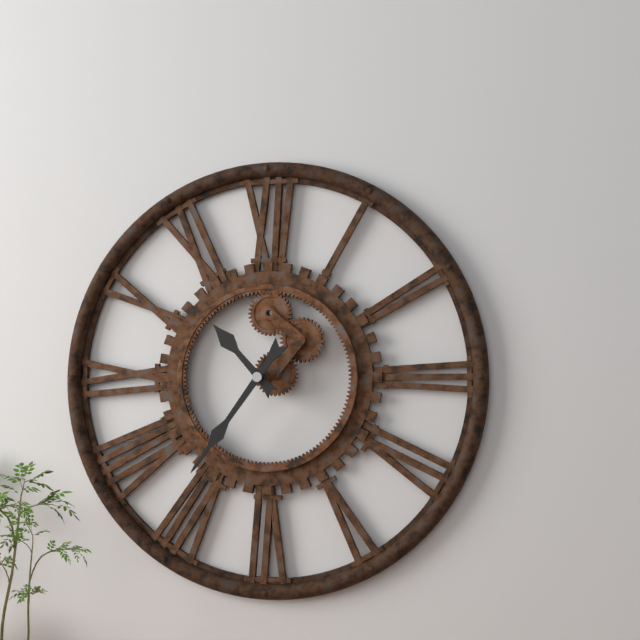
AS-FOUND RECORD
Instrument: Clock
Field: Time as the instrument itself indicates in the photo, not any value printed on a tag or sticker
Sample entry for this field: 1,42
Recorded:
10,36
